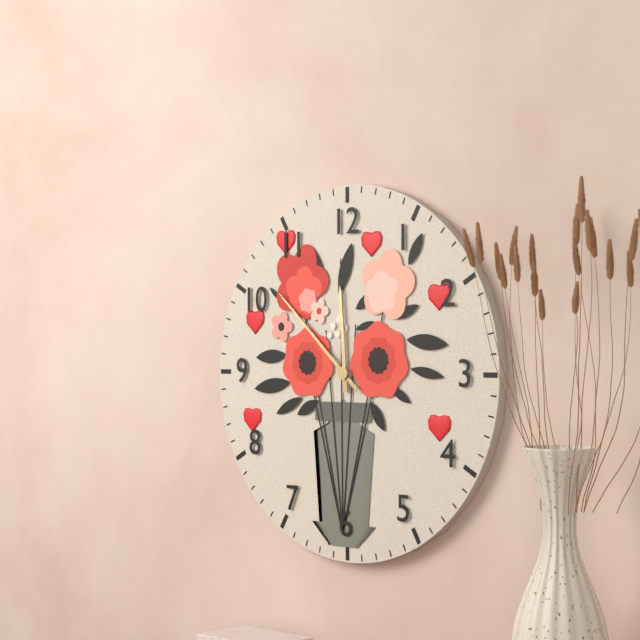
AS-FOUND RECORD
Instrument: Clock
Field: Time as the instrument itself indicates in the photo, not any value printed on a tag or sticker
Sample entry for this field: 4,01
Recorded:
11,52
